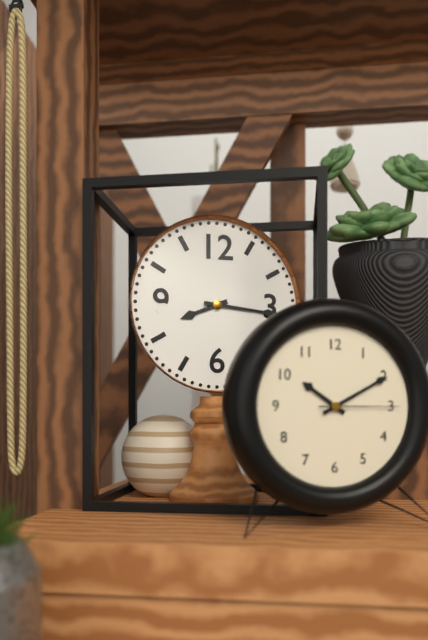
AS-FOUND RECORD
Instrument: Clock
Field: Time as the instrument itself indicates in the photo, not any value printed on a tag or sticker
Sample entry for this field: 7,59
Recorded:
8,16
